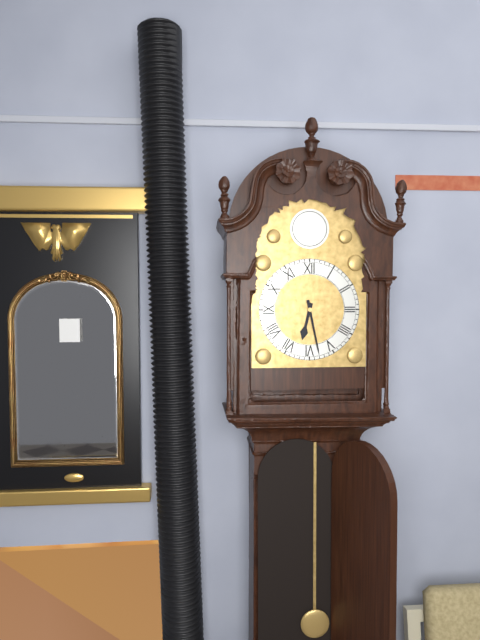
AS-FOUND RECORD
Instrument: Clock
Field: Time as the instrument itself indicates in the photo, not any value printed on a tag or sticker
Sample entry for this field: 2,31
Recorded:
6,28
